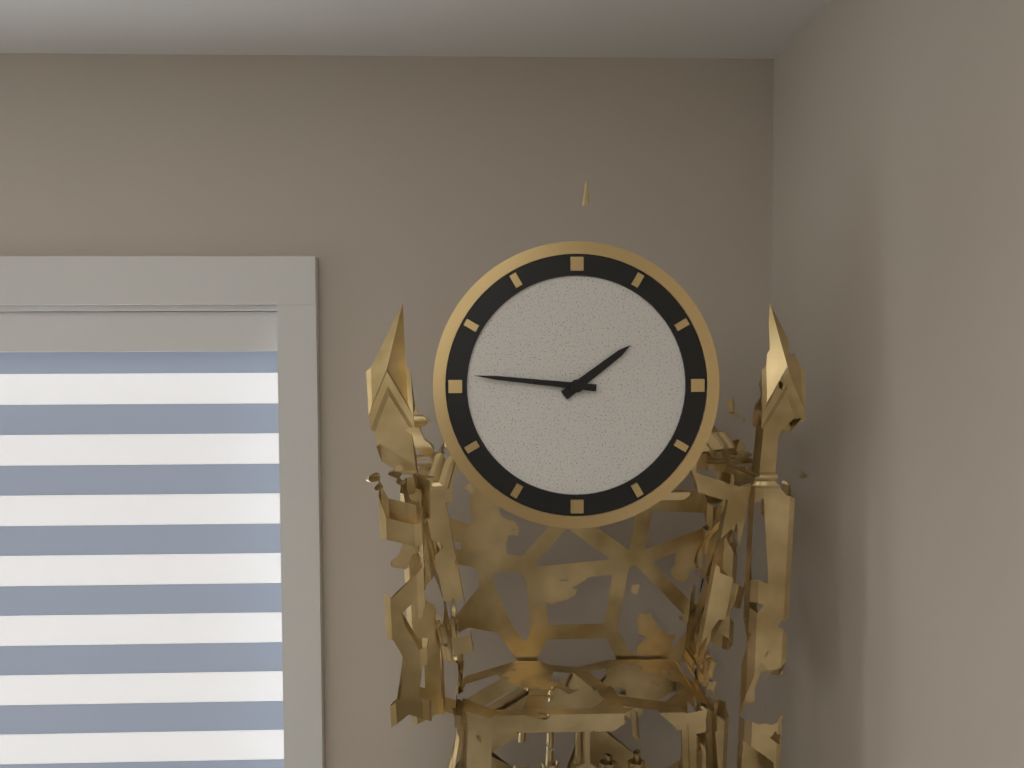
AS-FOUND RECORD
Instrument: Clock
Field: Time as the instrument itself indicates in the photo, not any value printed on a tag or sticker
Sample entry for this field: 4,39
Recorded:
1,46
